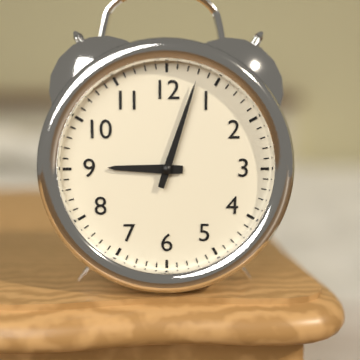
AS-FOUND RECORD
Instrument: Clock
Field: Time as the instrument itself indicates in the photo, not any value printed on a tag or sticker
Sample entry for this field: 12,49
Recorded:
9,03
